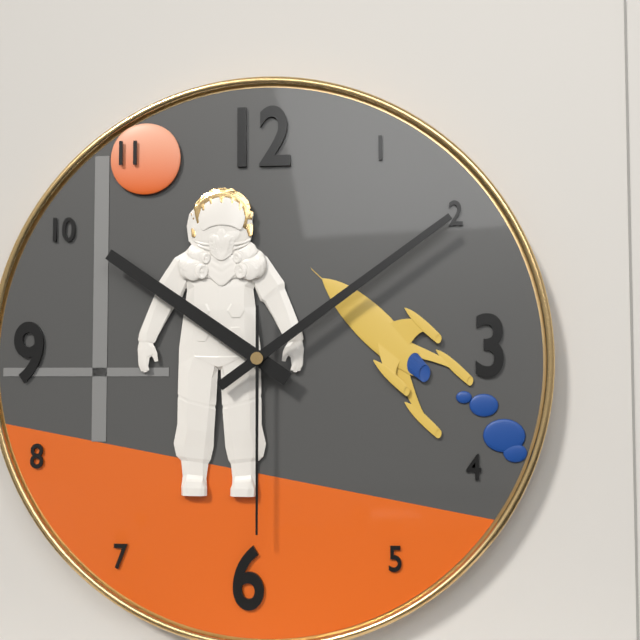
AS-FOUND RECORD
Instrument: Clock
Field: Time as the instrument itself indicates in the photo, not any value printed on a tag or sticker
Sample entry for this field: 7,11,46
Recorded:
10,09,30
